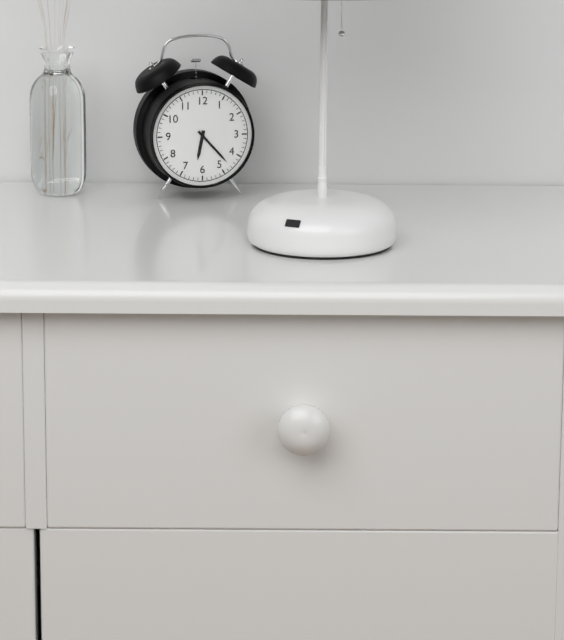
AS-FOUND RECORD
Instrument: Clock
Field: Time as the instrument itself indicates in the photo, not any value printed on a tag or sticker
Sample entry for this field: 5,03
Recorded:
6,23
